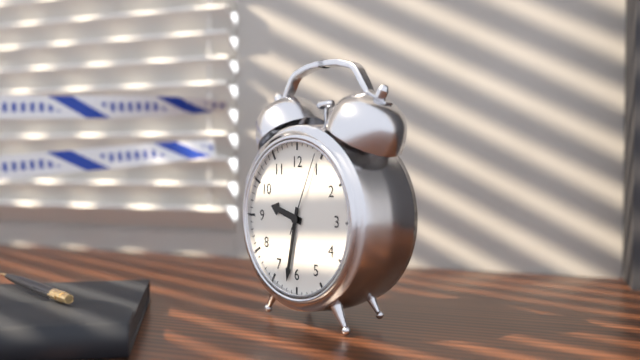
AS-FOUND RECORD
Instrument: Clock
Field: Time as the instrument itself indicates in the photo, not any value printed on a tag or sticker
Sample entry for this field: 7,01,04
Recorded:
9,32,04
